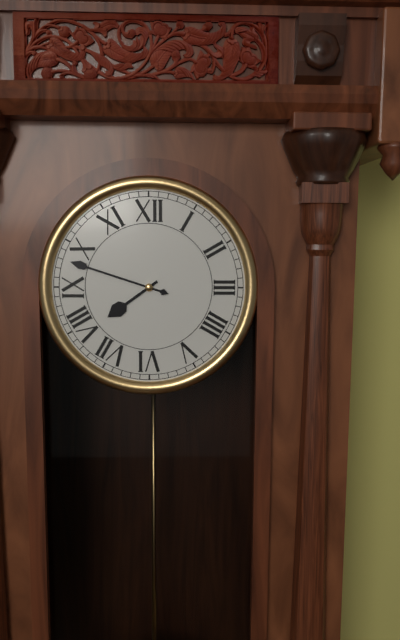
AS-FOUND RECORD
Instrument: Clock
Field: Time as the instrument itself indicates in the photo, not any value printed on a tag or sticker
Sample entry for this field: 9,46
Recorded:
7,48
